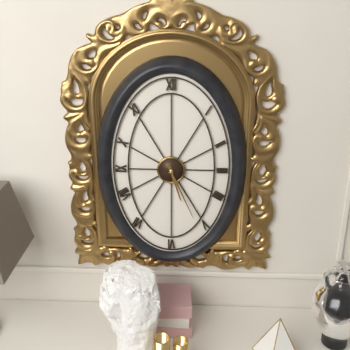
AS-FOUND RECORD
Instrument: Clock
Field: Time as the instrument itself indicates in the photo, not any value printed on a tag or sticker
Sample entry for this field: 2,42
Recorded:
5,26
